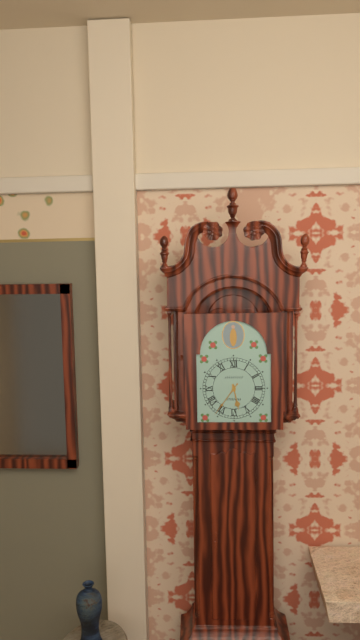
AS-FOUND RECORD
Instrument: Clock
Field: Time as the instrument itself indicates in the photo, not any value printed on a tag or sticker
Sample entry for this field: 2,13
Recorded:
5,36
